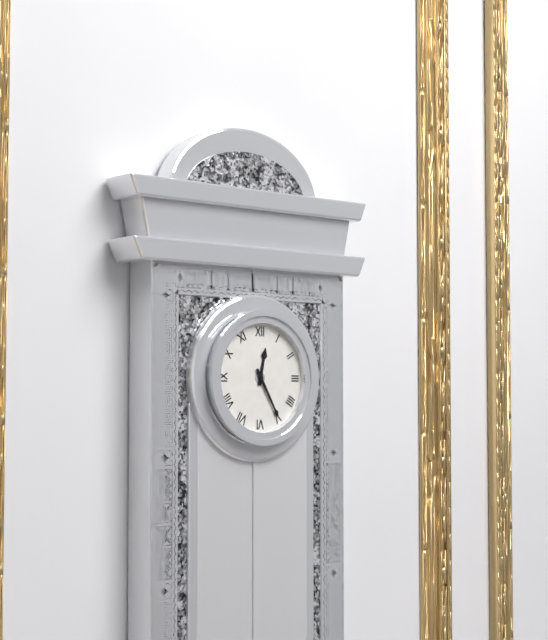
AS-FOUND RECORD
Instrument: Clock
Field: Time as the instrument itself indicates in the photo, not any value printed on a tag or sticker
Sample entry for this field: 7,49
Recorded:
12,25
